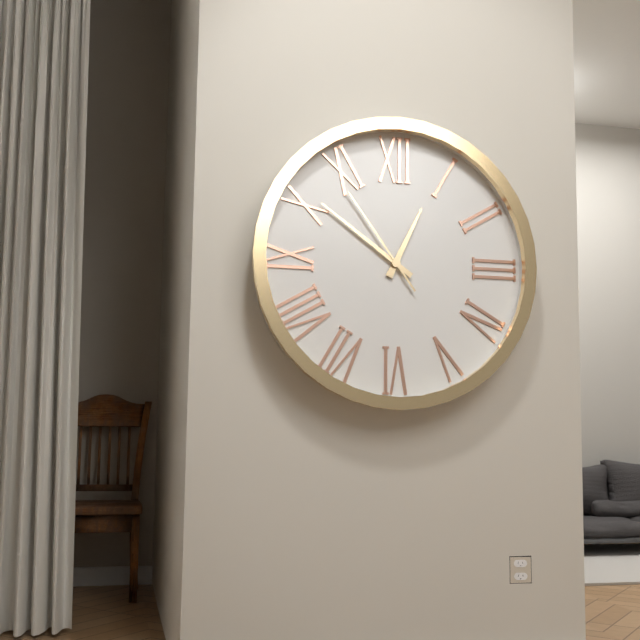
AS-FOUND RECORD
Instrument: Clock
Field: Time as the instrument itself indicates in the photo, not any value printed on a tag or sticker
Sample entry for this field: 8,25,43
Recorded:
12,51,54
